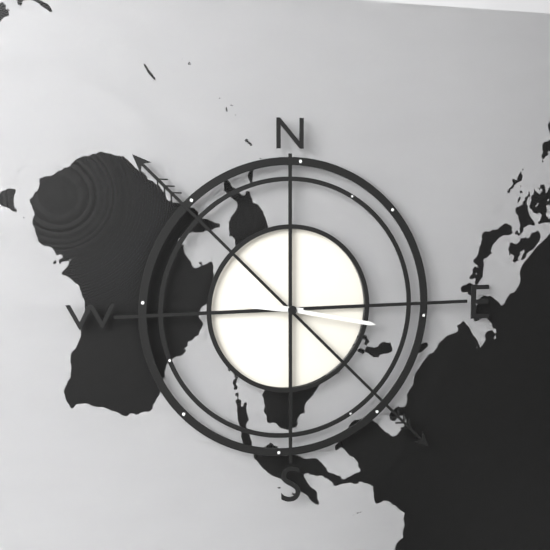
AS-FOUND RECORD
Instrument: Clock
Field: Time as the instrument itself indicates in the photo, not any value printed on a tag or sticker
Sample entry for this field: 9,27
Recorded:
9,17
